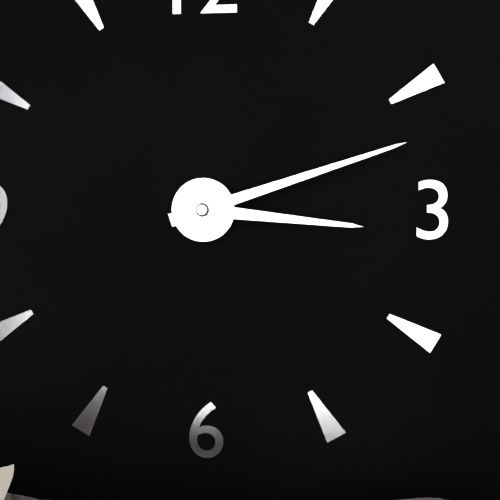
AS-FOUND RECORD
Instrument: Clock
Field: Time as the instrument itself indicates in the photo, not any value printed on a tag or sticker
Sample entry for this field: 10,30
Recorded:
3,12
